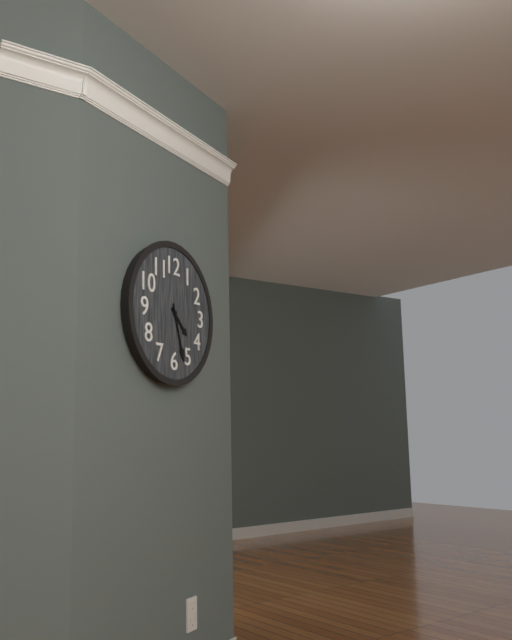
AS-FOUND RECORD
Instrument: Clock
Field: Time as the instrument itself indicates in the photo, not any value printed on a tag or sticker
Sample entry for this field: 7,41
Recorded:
4,27
